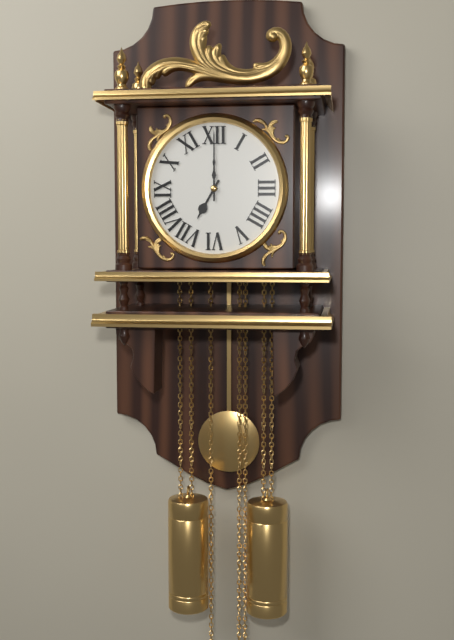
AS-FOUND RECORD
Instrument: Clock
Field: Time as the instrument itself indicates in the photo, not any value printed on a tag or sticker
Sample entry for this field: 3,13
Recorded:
7,00
